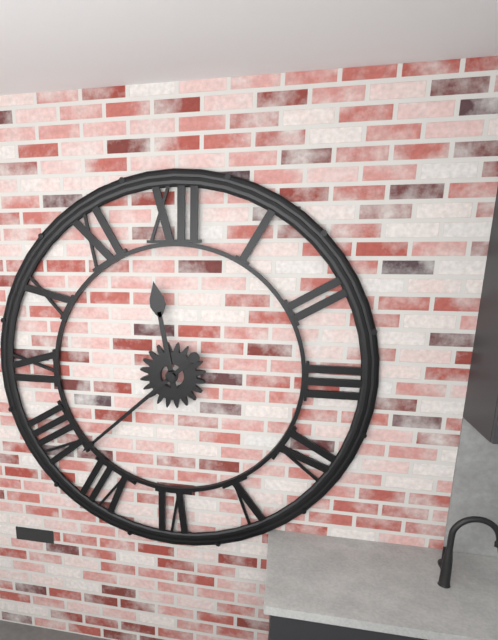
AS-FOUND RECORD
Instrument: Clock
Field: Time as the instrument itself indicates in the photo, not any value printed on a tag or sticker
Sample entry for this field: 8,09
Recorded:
11,38
